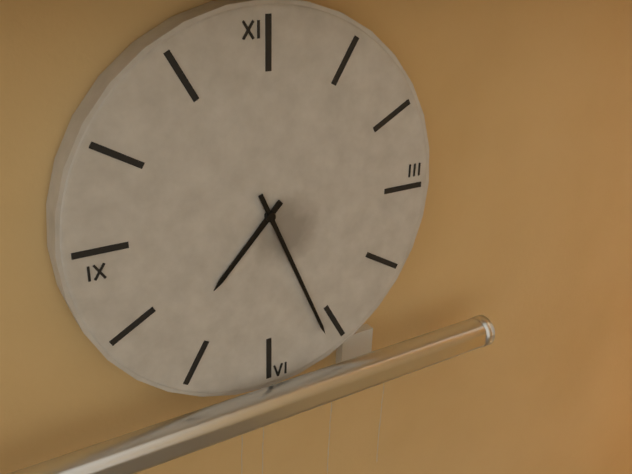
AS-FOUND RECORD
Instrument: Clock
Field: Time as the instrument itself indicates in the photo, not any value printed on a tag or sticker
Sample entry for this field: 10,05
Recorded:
7,26
